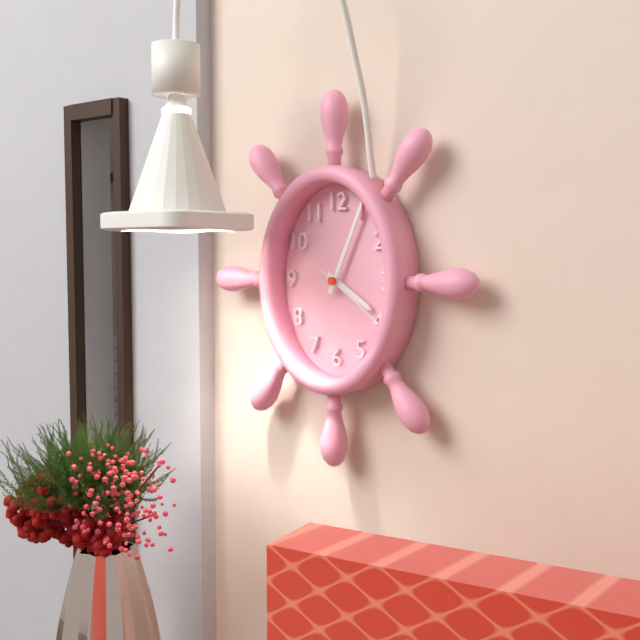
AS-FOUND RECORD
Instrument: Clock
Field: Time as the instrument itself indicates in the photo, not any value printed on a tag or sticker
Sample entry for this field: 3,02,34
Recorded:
4,04,21
